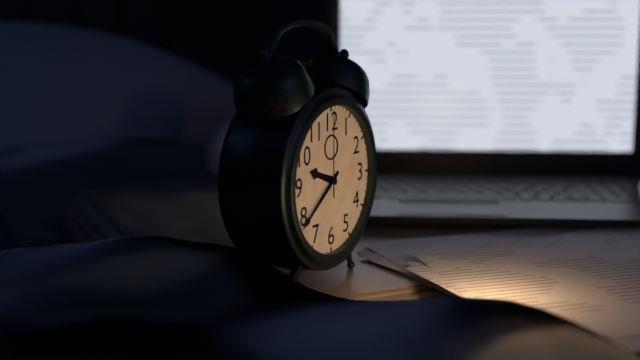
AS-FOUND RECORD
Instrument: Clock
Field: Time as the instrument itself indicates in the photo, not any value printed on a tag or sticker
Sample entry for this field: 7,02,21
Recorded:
9,39,00
